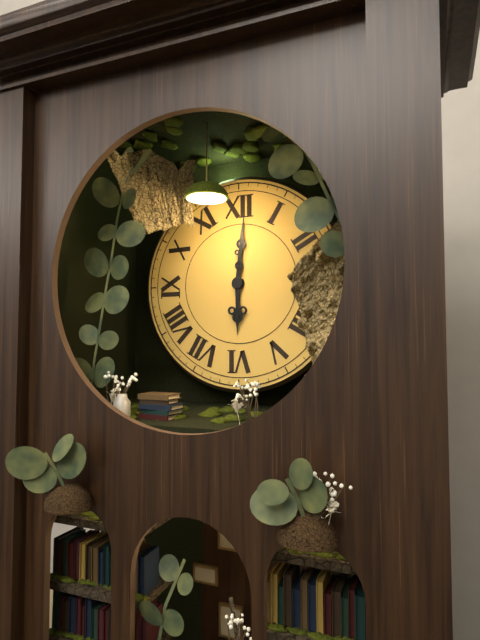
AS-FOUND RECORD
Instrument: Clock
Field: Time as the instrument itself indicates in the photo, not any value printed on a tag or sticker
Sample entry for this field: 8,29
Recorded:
6,01
